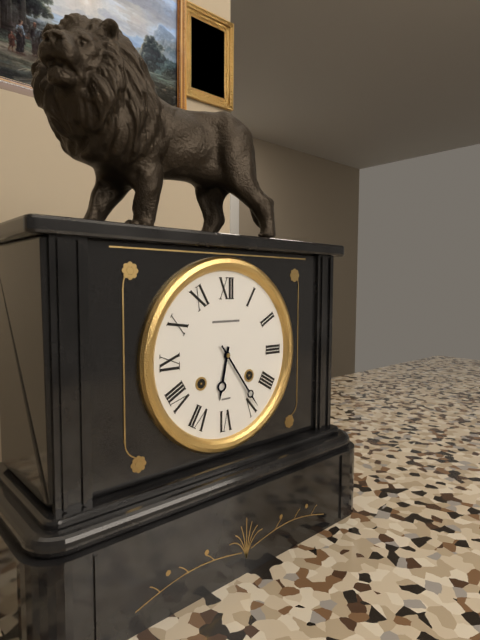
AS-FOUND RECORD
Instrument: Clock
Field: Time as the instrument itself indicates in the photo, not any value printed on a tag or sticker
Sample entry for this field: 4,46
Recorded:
6,24
